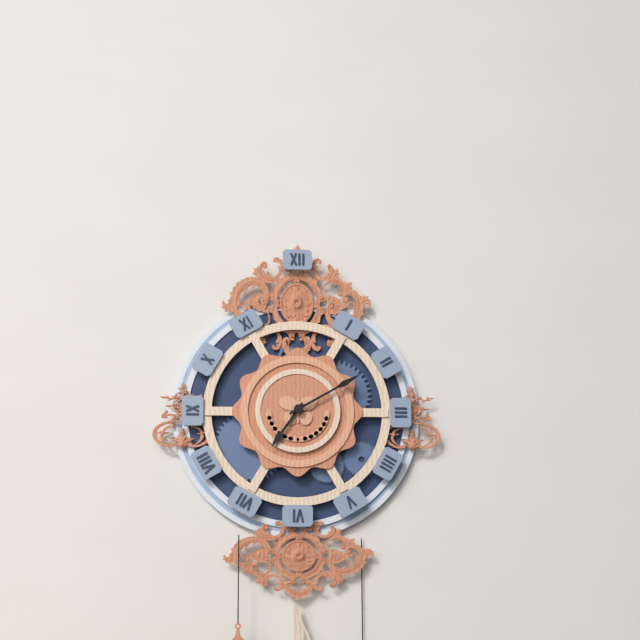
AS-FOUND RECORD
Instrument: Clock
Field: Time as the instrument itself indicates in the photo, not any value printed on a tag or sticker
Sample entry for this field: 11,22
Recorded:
7,10
